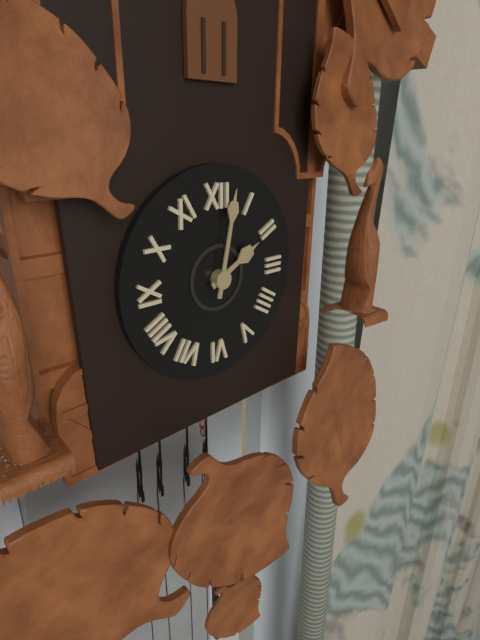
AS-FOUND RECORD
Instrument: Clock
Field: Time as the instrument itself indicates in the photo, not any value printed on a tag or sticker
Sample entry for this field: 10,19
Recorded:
2,02
